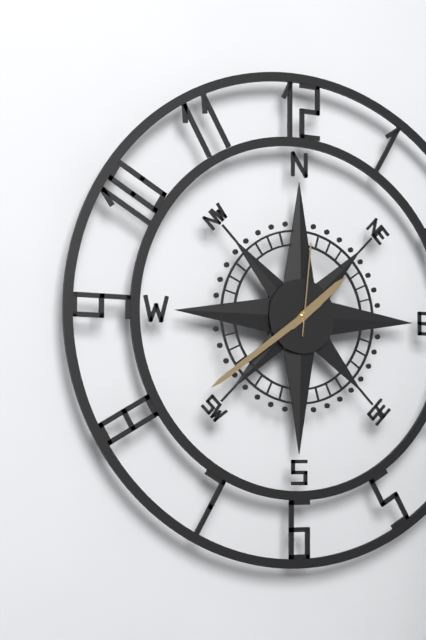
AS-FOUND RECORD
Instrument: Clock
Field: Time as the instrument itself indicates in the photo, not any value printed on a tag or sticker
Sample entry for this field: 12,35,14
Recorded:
1,39,01
